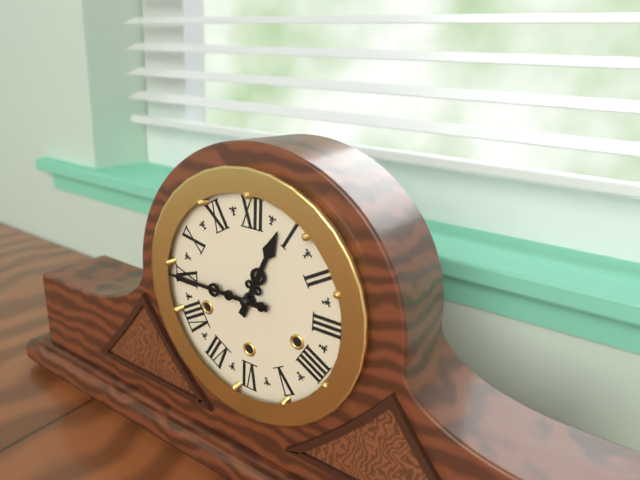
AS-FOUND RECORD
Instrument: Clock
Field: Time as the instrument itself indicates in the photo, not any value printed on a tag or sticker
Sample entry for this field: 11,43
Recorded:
12,45
